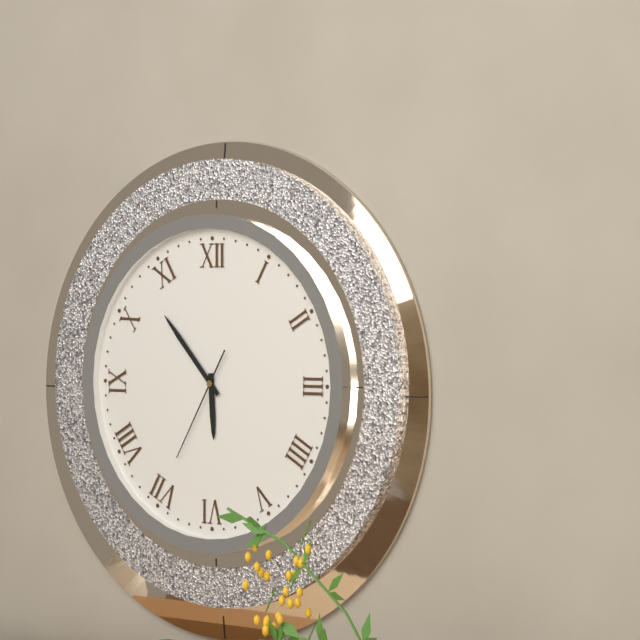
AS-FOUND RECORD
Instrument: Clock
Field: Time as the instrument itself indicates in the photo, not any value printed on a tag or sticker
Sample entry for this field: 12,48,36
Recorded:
5,53,35
